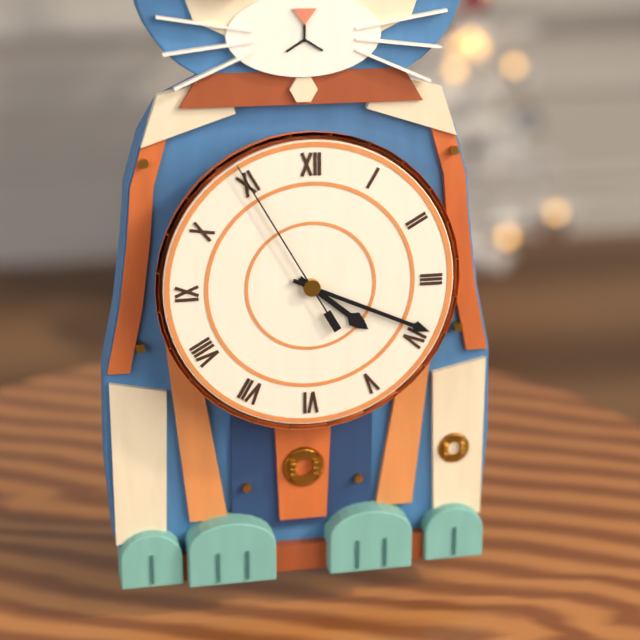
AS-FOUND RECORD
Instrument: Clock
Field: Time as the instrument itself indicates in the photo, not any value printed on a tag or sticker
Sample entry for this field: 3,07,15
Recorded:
4,19,55
